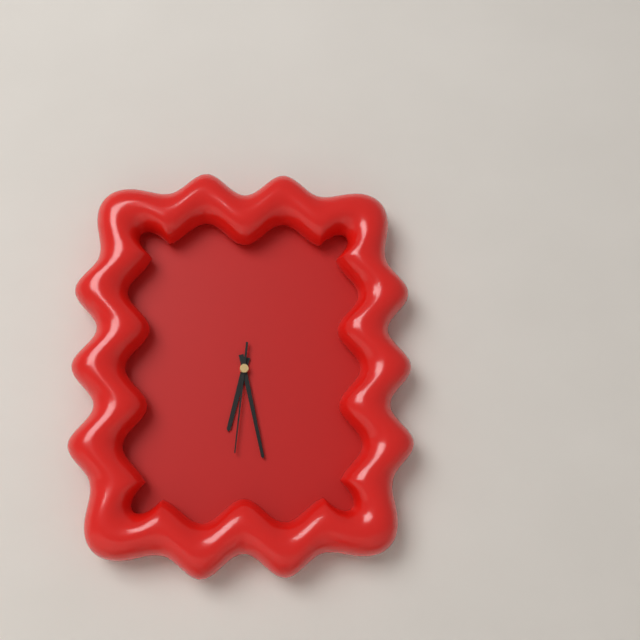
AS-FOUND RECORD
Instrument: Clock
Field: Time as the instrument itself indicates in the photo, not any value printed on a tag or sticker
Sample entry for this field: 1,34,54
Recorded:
6,28,31
